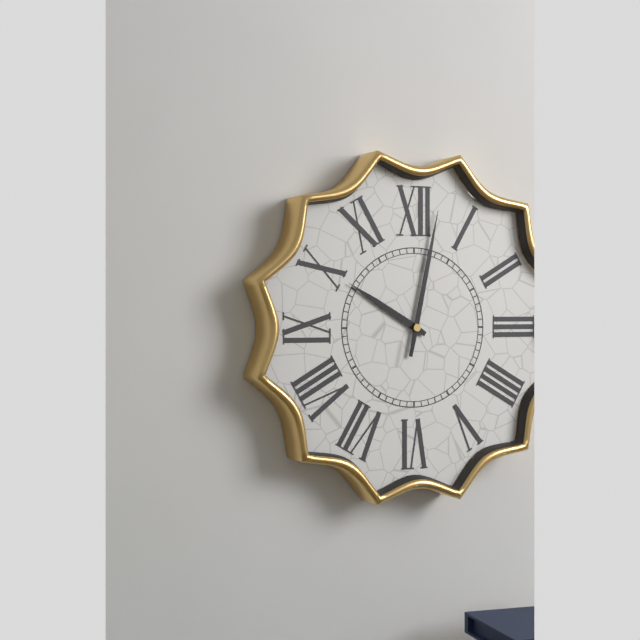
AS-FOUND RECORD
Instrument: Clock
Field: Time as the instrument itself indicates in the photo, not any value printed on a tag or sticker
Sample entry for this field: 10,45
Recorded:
10,02
